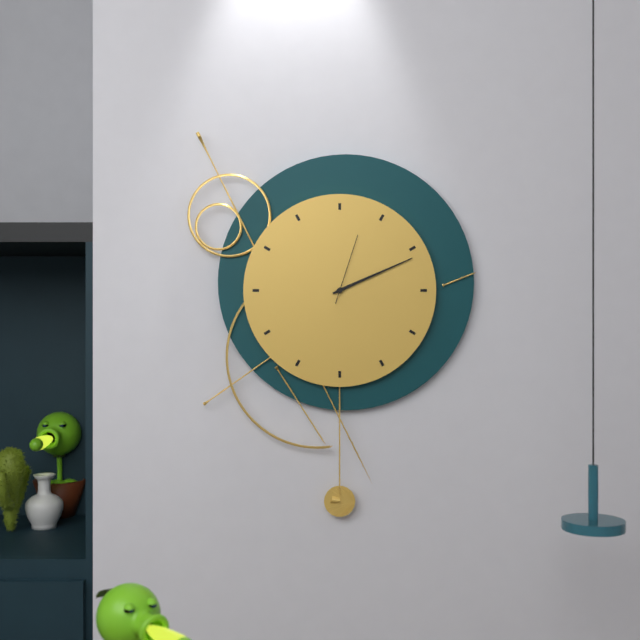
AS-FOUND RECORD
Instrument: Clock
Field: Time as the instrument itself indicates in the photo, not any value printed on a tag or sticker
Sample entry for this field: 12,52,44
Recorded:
2,11,03
